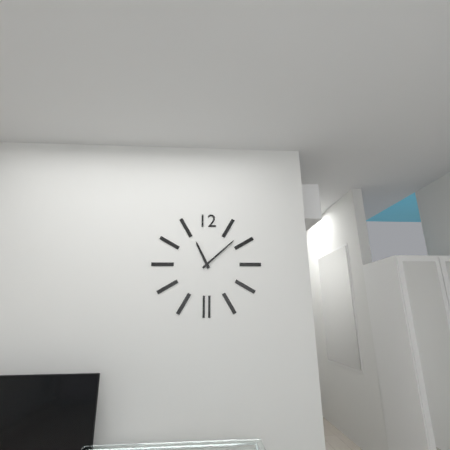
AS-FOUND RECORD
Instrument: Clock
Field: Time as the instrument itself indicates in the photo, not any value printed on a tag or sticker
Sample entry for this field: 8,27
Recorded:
11,08
